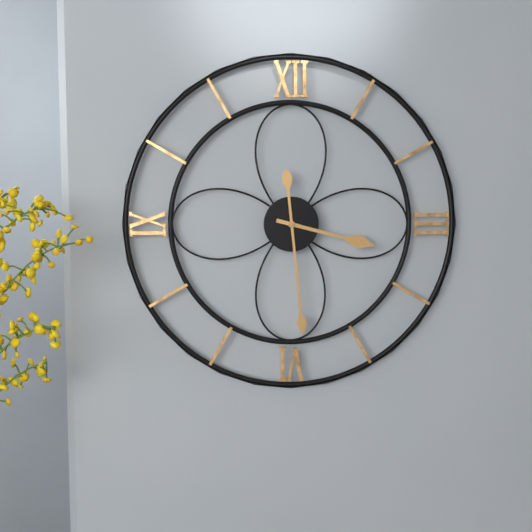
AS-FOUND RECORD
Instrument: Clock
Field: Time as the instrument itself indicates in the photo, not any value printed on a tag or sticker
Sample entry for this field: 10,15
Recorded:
3,29
